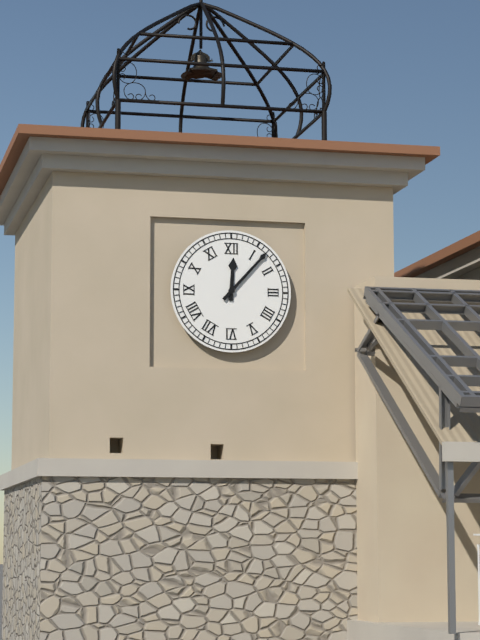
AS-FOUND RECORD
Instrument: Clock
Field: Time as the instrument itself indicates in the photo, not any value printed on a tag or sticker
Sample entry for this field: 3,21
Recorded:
12,07
